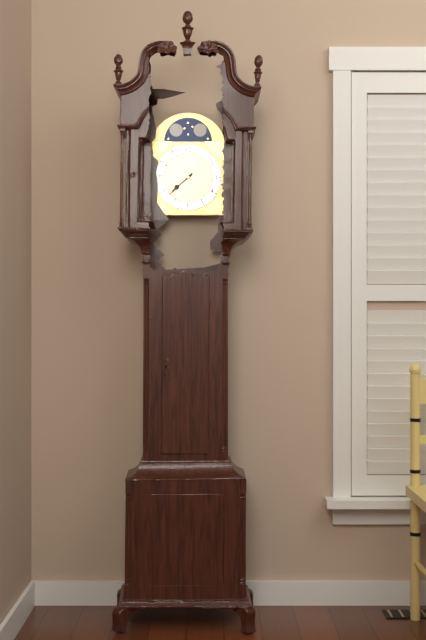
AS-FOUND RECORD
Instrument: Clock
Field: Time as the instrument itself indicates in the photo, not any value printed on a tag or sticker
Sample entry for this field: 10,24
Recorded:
7,38
